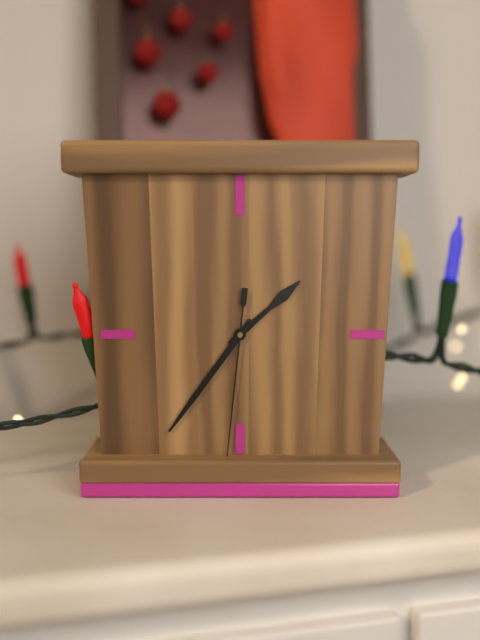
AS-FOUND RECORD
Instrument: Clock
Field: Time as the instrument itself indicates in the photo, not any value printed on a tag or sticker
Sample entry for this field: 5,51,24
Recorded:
1,36,31
